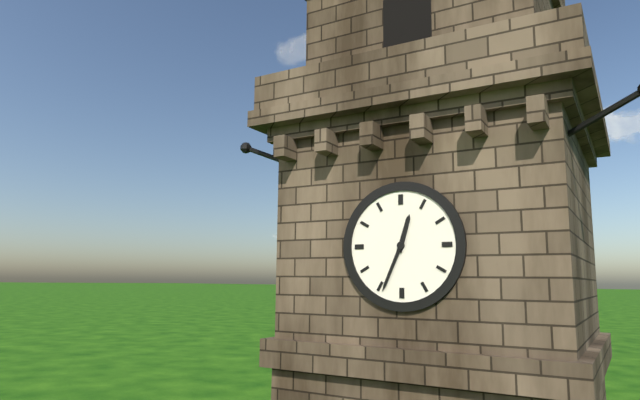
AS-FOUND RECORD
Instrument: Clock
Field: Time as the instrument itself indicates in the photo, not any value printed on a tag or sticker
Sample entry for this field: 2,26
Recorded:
12,34
